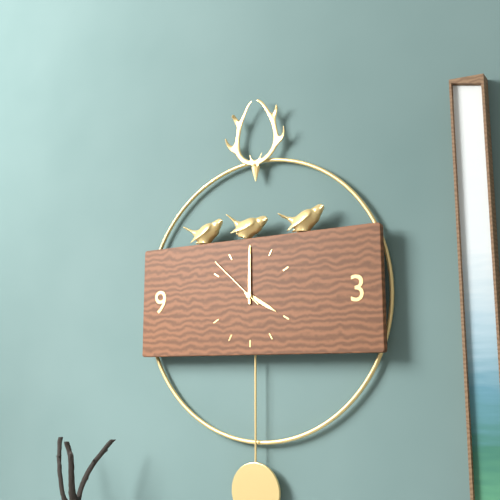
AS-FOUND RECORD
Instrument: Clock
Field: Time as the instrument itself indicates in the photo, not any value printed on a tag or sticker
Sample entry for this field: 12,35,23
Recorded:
4,00,52
